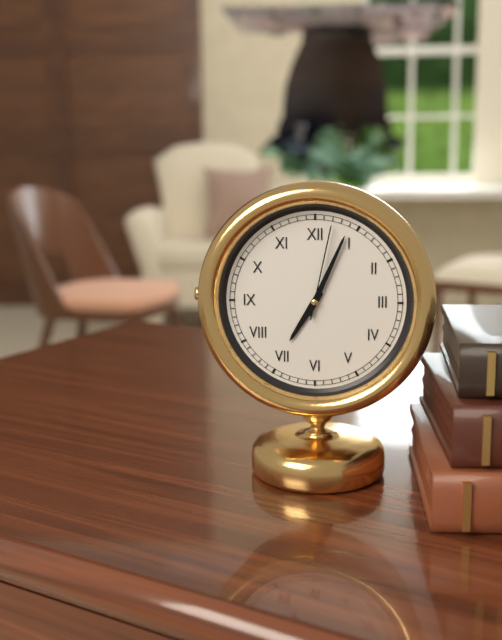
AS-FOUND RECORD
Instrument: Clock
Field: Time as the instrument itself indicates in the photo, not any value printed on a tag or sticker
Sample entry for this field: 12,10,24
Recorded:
7,04,02
